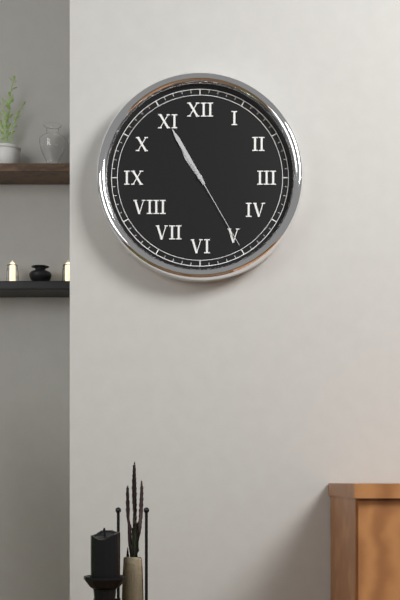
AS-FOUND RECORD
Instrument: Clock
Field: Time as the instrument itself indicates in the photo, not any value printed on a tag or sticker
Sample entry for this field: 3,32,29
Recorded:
10,55,25
